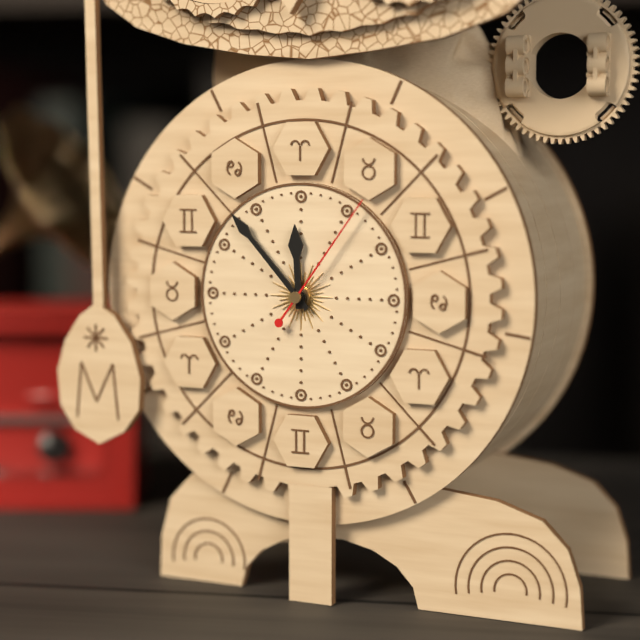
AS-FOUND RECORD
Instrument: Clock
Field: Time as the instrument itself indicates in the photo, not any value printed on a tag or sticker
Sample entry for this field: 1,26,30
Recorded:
11,53,06
